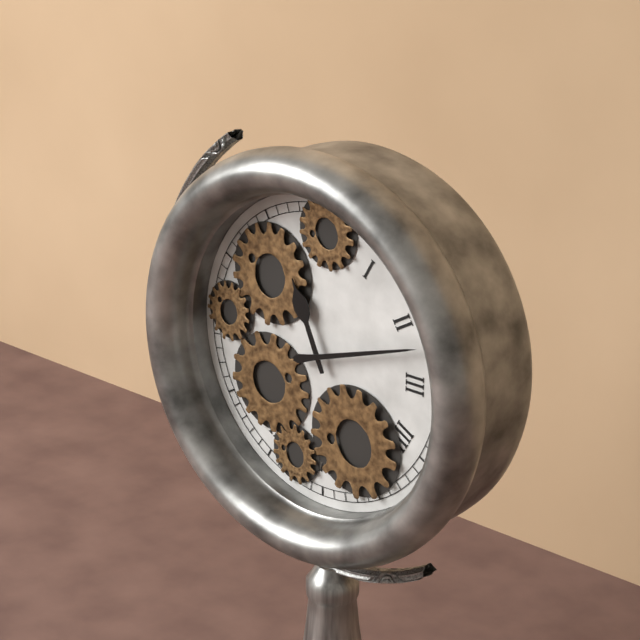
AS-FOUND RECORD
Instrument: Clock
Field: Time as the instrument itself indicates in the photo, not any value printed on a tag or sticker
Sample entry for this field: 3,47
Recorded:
11,12
